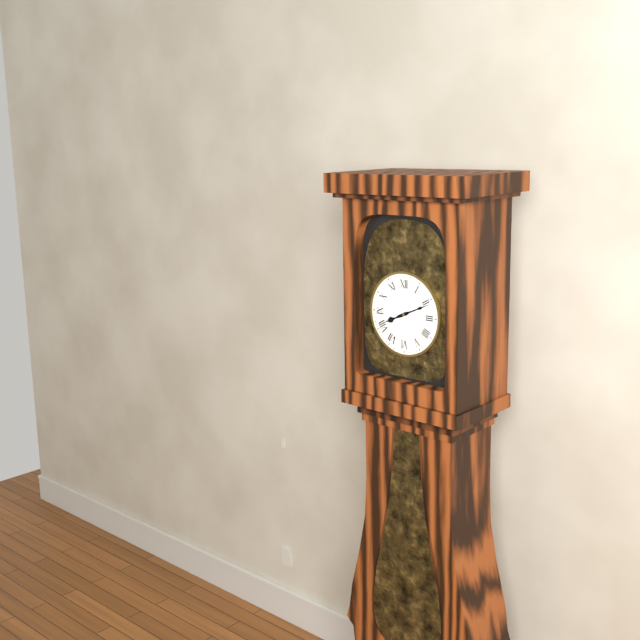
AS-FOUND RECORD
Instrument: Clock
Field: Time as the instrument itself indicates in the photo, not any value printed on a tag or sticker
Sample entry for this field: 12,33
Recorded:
8,11
